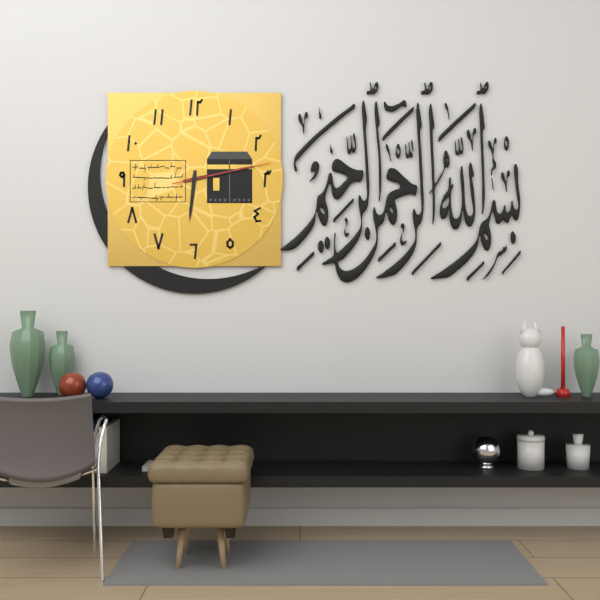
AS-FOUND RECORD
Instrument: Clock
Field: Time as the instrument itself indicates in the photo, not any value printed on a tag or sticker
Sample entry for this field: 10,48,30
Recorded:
6,13,13
